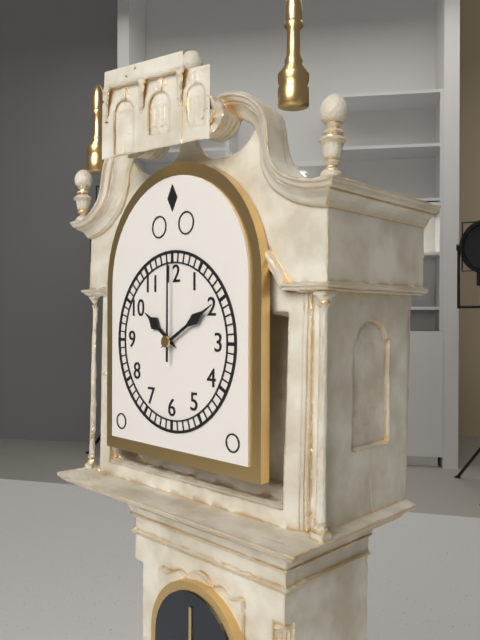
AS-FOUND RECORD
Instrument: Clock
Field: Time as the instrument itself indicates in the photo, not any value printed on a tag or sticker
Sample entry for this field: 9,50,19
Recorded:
10,10,00
